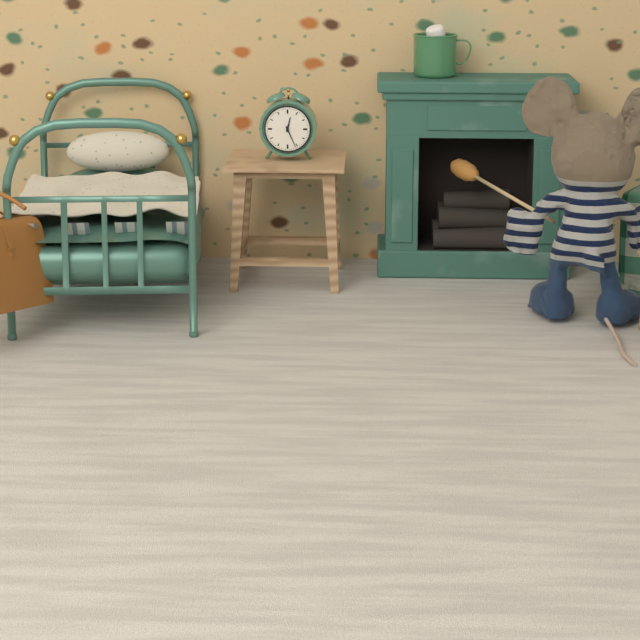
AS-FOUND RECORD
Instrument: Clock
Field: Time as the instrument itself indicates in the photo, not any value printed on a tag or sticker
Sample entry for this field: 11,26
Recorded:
12,26
